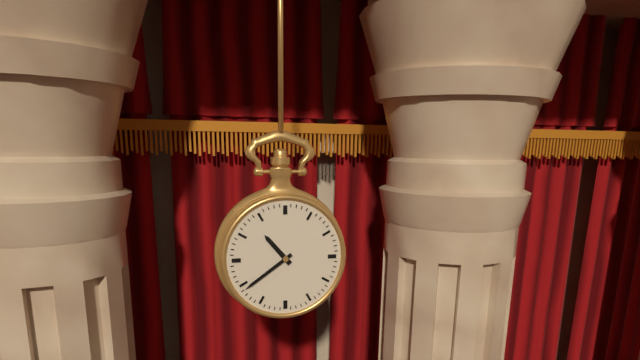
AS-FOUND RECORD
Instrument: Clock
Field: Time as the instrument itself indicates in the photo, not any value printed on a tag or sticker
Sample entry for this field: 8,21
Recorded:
10,39
